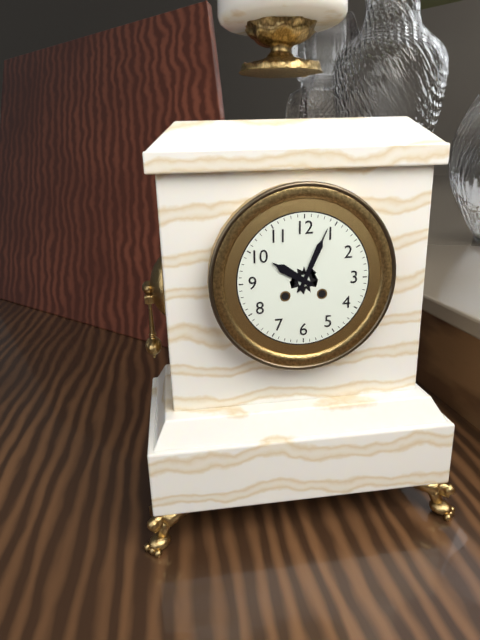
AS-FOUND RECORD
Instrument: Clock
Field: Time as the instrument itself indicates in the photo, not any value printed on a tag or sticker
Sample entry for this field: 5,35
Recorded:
10,04
